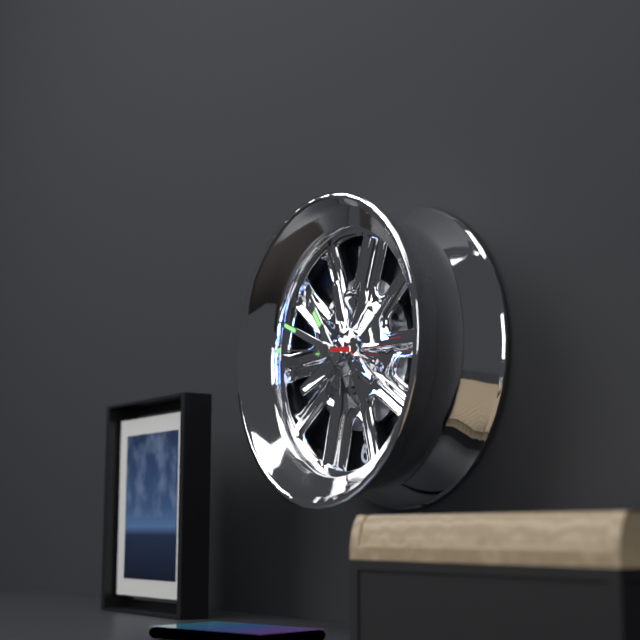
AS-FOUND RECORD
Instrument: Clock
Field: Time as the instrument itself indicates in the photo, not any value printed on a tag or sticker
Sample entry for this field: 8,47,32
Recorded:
10,49,46
